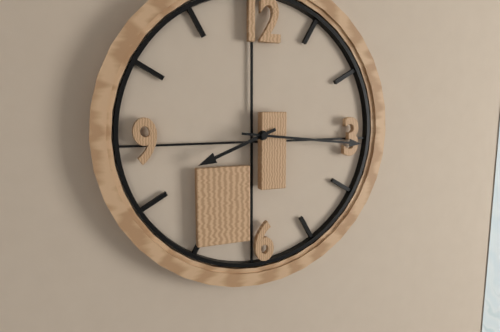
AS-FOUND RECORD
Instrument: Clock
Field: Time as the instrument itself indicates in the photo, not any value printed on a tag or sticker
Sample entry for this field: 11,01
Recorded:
8,16
